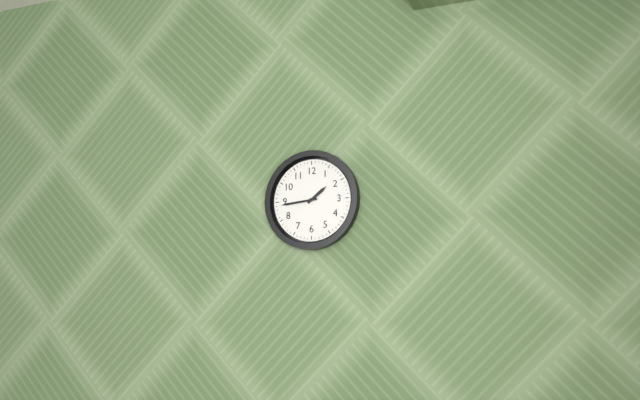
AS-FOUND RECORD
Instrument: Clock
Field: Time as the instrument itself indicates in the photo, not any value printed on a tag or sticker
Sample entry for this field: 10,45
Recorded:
1,44
